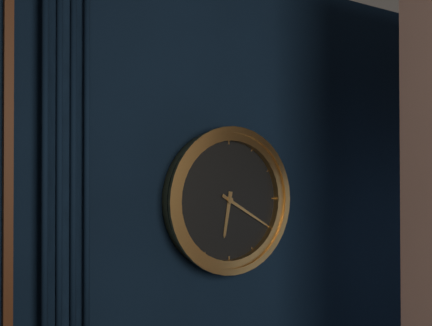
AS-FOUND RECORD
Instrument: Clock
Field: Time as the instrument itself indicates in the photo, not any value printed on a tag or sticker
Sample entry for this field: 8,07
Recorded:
6,20
